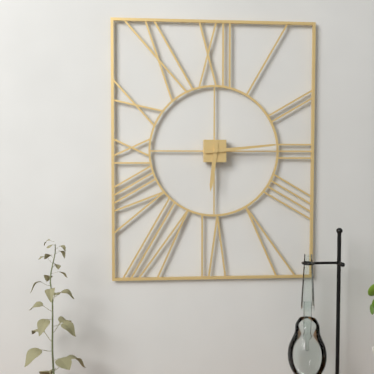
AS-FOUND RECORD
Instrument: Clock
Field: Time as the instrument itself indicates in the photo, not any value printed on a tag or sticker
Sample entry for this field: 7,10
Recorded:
6,14
